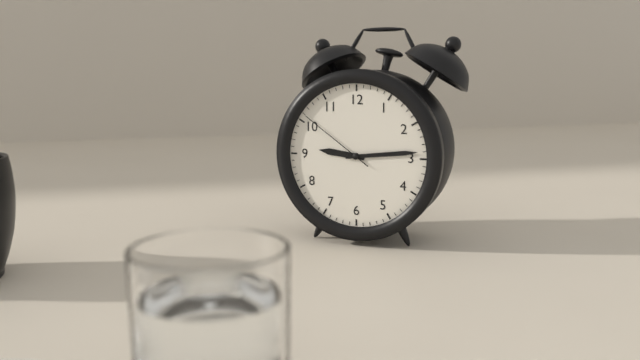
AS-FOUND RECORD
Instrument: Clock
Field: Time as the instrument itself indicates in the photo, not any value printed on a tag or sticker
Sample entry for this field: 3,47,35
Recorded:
9,14,51
